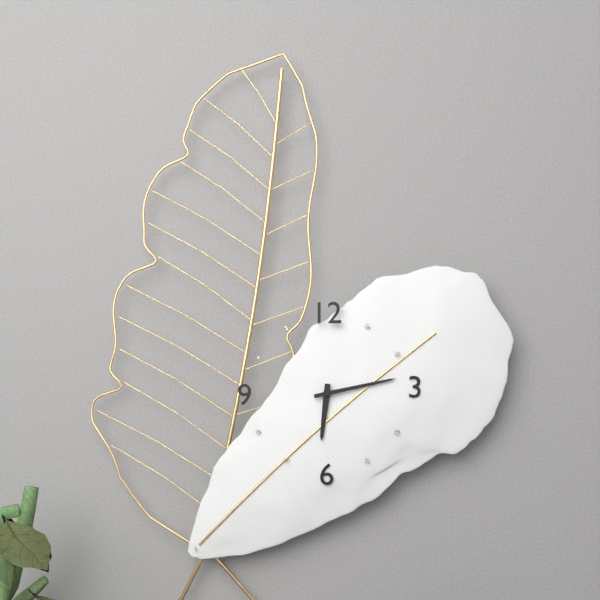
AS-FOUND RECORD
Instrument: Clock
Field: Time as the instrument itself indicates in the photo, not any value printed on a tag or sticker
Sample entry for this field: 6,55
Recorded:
6,13
